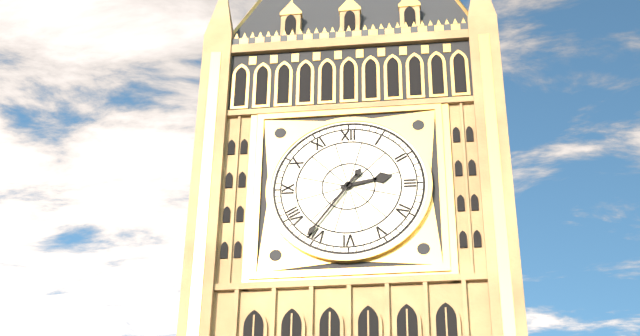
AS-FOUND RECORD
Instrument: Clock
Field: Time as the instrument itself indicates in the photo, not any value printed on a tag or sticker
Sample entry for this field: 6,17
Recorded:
2,36
